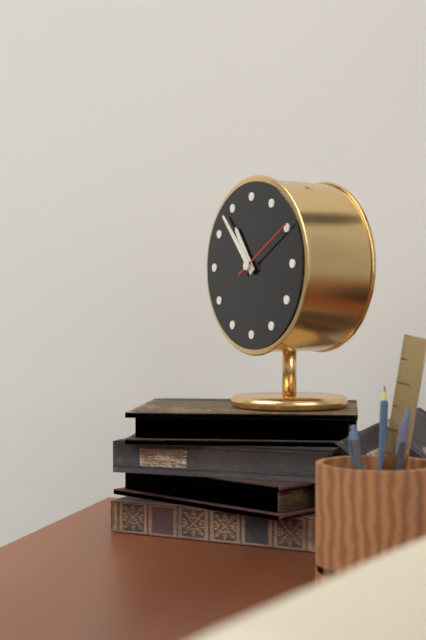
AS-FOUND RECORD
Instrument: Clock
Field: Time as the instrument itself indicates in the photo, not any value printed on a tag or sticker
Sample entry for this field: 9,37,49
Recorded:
10,53,10
